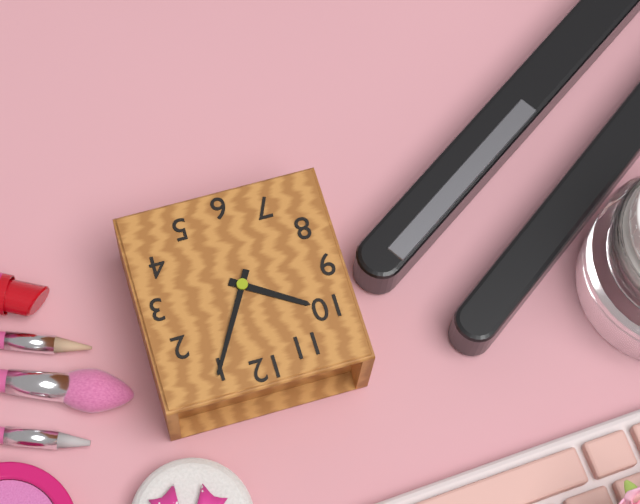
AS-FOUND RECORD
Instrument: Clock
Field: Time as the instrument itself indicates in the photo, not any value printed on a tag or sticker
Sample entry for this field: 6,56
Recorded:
10,05
